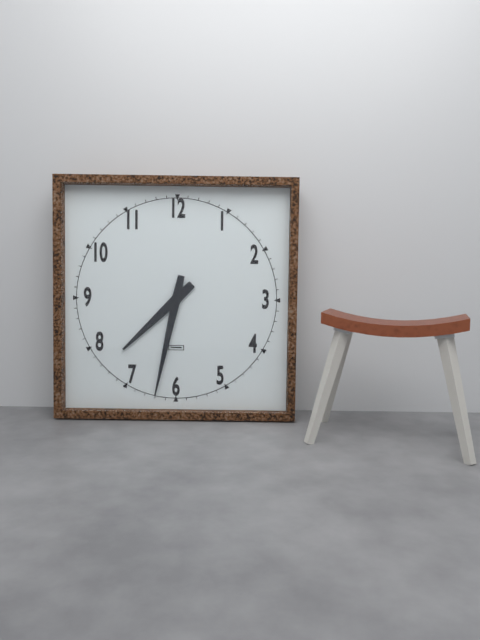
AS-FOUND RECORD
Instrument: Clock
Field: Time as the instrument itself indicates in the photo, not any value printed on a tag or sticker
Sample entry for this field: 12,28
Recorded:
7,32
